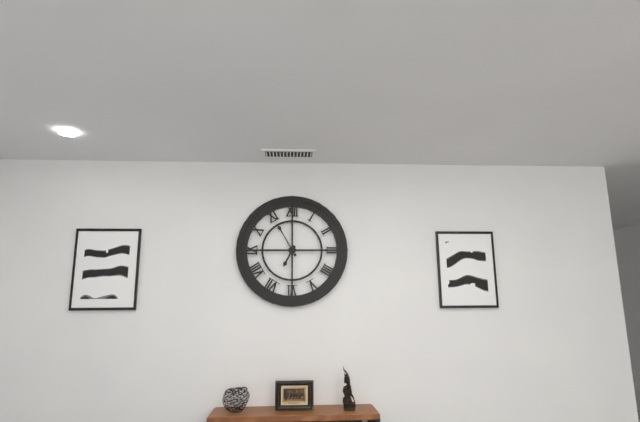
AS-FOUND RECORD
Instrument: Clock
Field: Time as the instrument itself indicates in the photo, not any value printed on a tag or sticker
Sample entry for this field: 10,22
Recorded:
6,55
